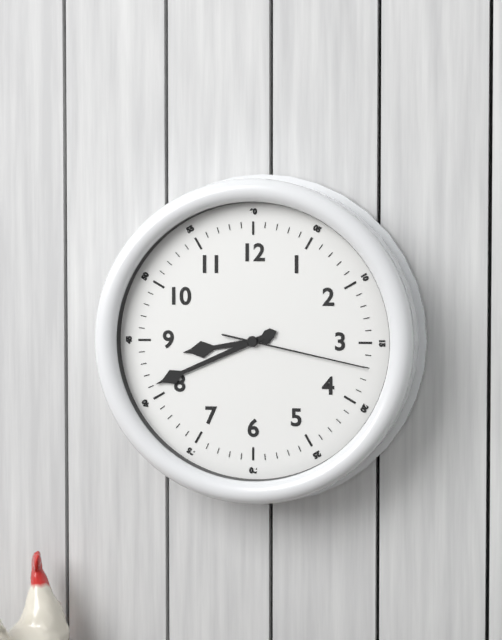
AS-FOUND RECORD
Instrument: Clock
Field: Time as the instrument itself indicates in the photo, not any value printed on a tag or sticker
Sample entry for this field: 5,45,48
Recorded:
8,41,17
